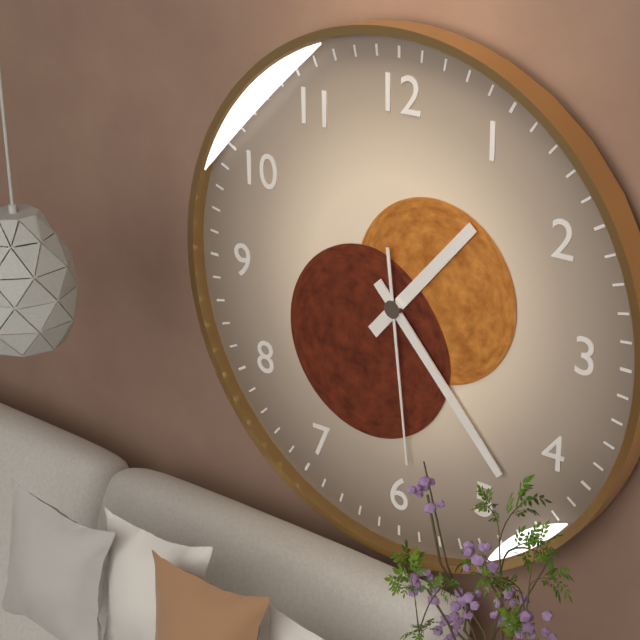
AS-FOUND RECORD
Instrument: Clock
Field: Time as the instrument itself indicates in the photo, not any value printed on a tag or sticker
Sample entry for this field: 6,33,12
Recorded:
1,23,29
